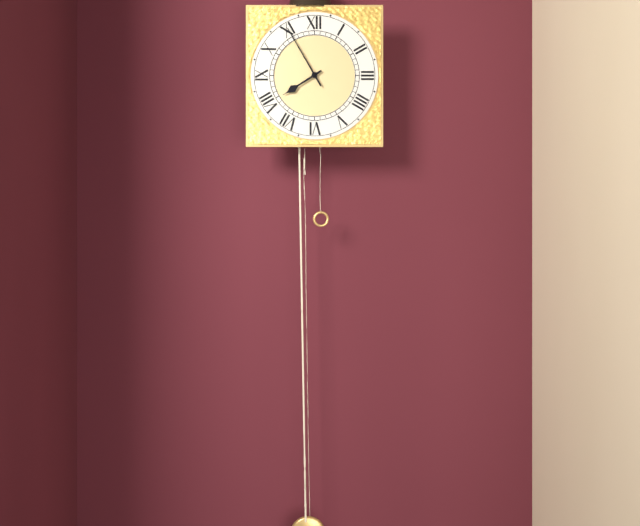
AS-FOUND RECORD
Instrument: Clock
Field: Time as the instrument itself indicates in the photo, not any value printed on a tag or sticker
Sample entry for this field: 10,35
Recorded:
7,55
